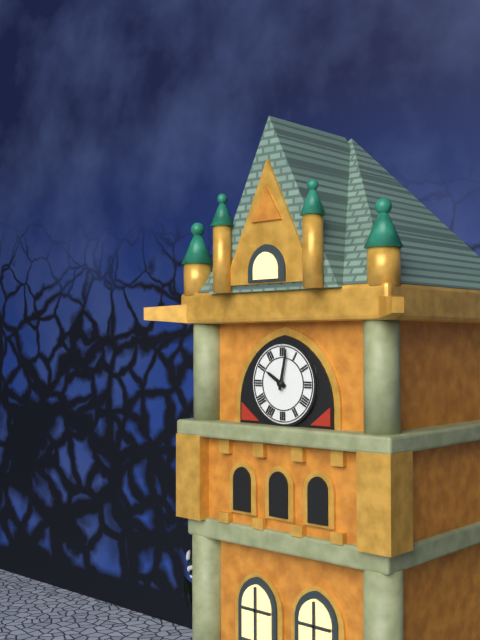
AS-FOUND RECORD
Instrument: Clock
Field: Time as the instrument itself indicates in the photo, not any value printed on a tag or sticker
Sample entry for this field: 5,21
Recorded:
10,02
